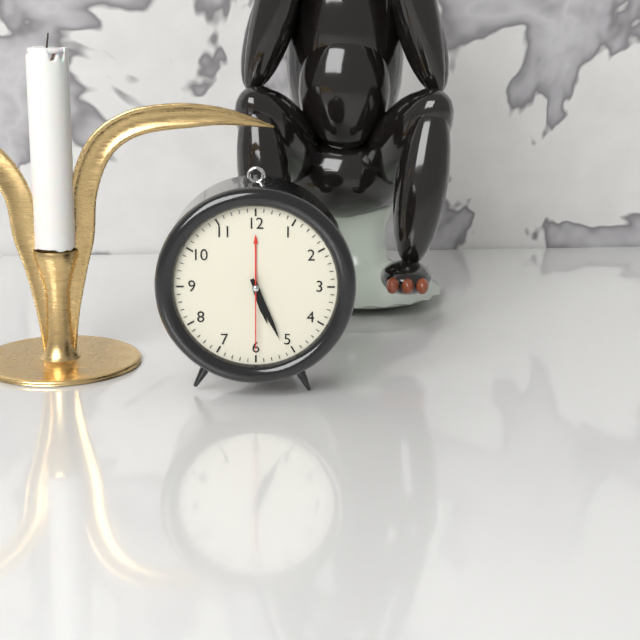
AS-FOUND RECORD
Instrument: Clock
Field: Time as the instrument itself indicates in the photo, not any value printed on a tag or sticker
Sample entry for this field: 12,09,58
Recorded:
5,26,30
